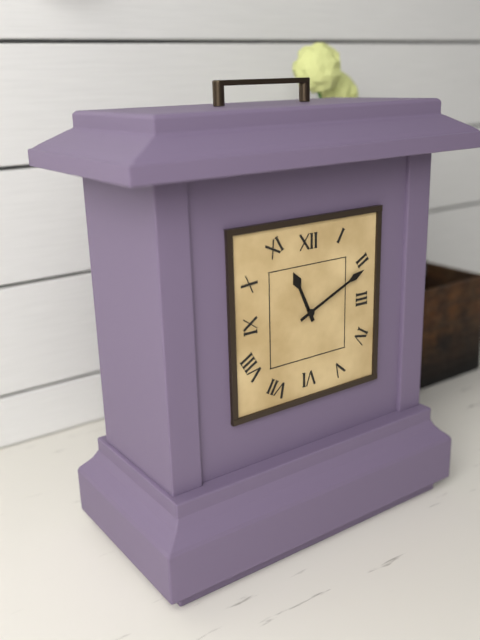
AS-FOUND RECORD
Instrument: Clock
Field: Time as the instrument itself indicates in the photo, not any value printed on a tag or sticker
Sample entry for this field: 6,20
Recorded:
11,11
